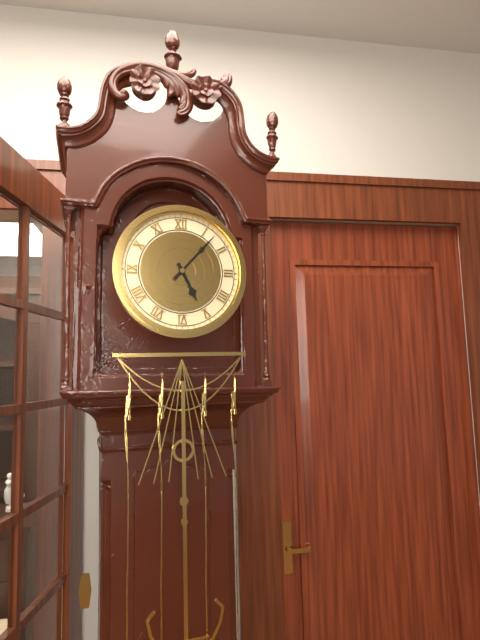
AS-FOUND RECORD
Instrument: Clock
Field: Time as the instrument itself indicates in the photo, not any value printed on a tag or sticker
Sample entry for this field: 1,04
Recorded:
5,07
